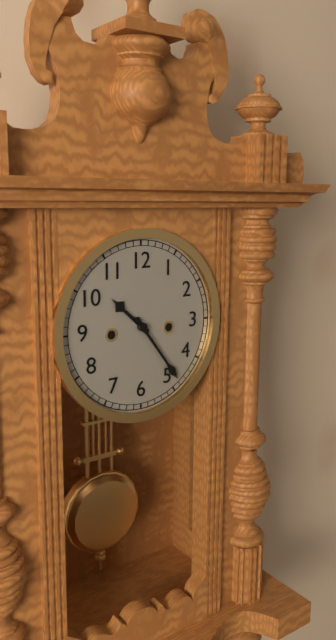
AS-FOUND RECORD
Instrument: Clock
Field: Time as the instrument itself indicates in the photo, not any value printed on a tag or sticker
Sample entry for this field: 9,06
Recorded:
10,24
